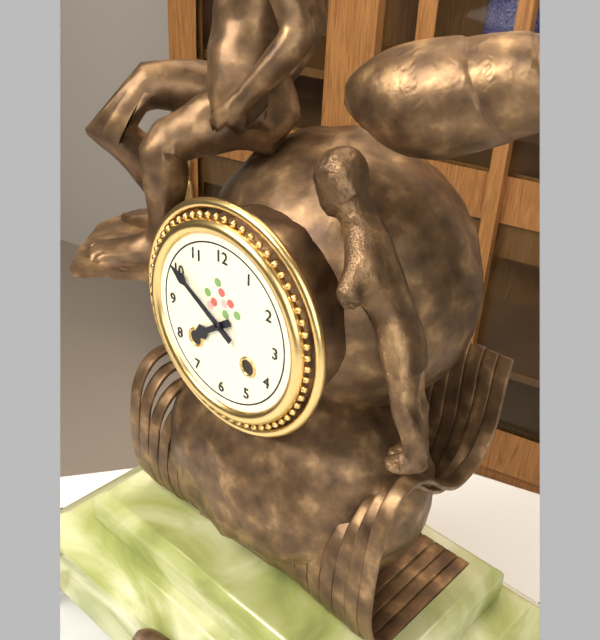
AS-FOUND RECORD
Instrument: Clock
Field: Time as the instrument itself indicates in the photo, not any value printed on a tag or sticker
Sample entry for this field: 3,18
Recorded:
7,50
